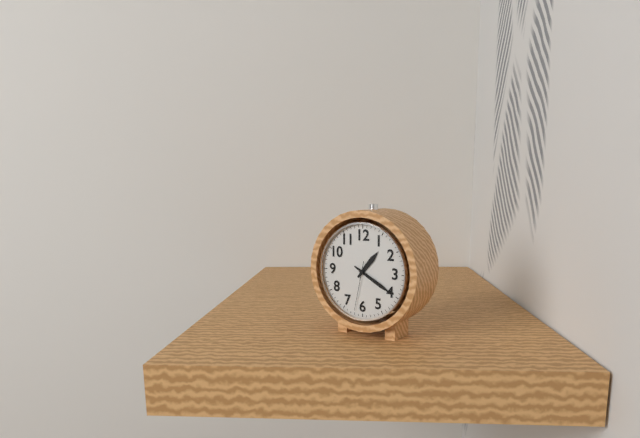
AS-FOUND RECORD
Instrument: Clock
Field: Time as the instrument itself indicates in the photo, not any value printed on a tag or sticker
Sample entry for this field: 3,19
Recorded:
1,20
